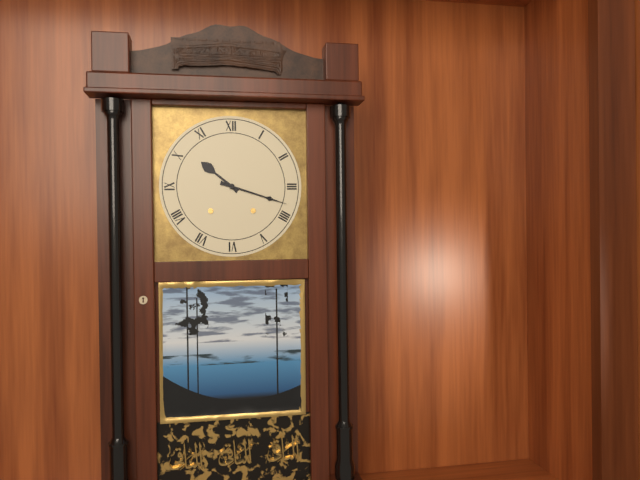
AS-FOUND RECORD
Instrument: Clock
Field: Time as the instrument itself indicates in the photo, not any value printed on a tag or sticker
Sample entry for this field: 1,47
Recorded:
10,18
